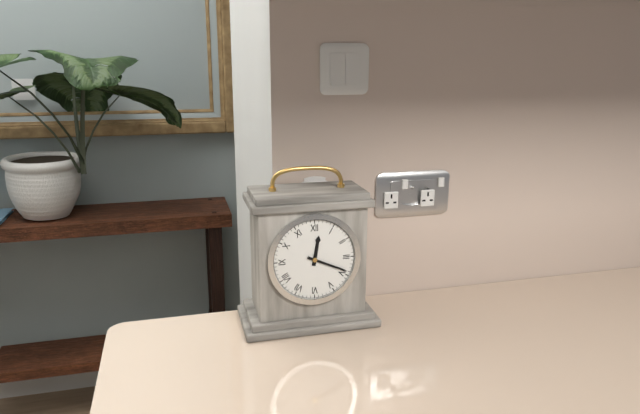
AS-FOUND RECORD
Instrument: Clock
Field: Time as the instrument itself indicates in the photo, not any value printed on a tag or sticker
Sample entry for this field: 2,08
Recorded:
12,19
